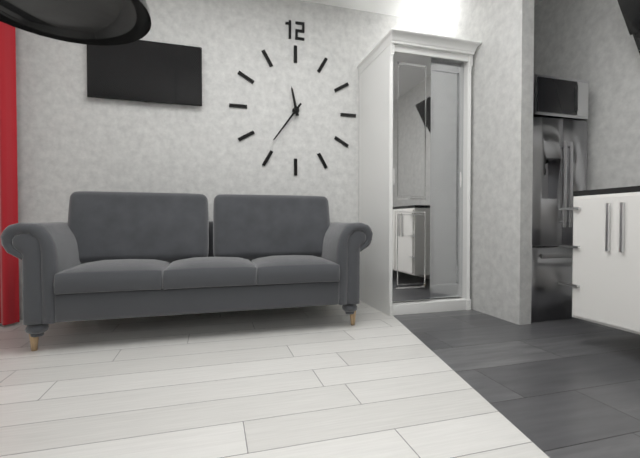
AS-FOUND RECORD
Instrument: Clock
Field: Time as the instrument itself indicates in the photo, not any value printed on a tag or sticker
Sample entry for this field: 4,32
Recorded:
11,36
